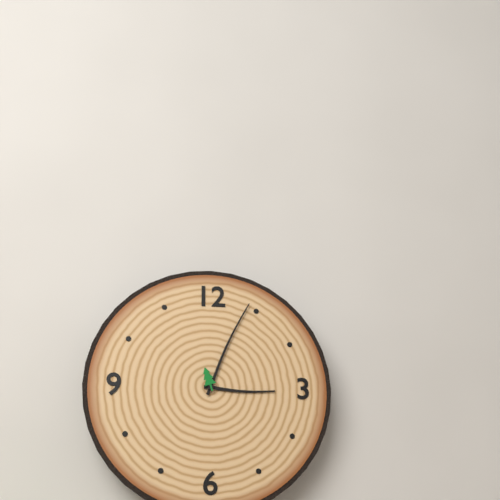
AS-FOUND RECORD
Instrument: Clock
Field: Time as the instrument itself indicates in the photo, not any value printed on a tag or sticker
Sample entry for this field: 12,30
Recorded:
3,04
